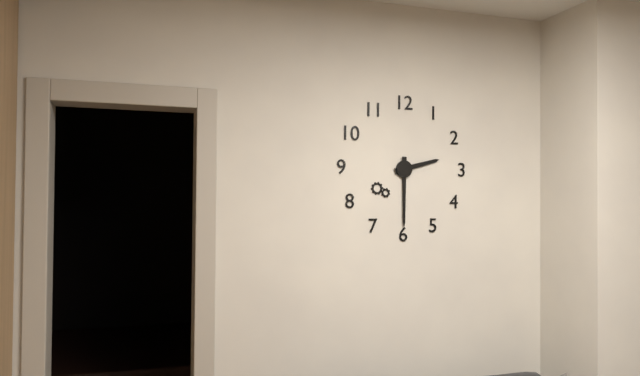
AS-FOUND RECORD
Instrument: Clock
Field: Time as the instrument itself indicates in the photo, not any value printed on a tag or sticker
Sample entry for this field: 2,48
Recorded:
2,30
